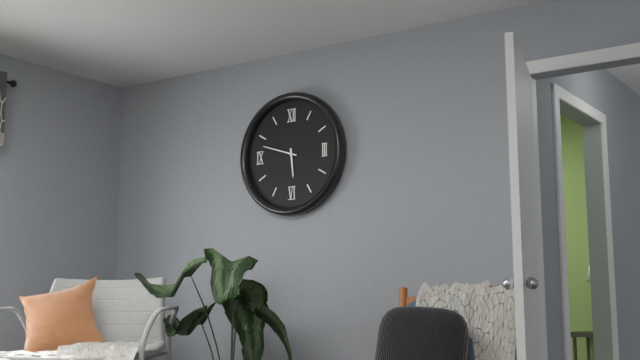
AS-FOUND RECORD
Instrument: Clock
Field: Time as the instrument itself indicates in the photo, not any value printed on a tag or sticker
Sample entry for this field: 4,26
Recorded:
5,48
